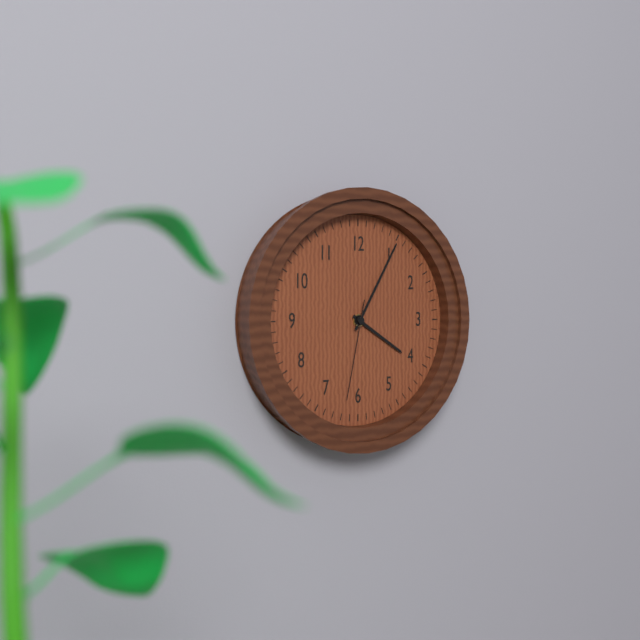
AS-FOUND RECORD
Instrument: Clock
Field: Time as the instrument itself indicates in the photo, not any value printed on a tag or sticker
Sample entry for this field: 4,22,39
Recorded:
4,05,32
